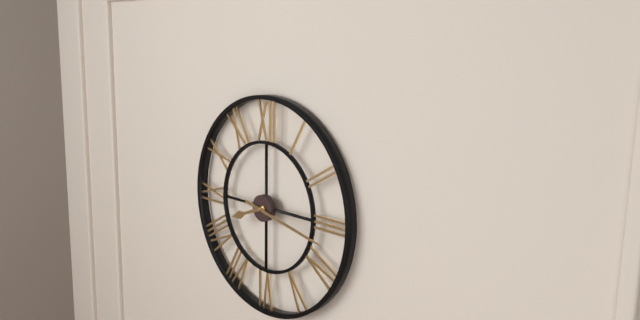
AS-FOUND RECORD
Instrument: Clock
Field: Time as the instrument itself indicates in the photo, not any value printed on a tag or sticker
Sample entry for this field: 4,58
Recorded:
8,17
